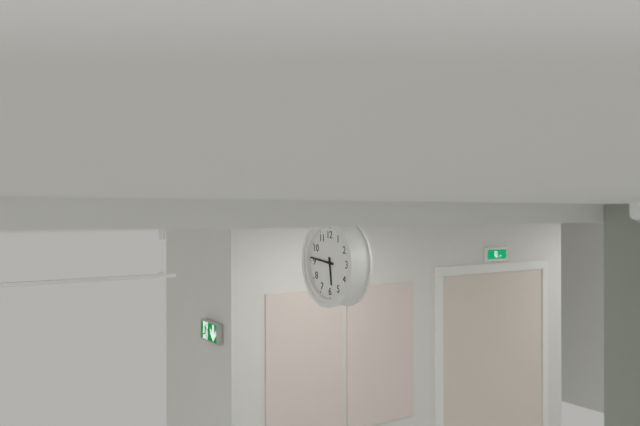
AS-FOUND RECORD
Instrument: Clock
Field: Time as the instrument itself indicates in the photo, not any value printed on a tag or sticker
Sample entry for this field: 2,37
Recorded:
5,46
